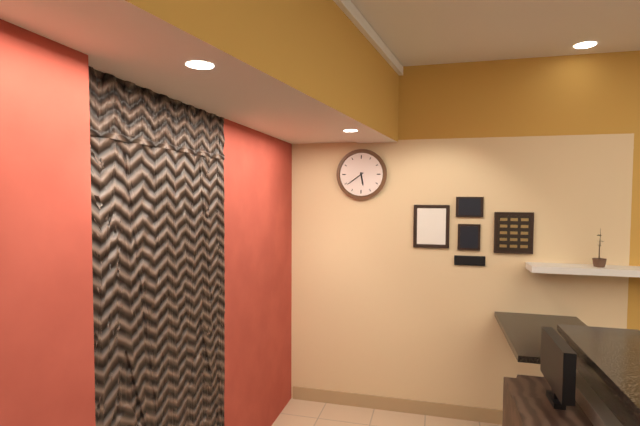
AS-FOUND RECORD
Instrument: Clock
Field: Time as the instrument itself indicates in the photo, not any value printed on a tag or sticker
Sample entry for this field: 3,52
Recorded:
5,39
